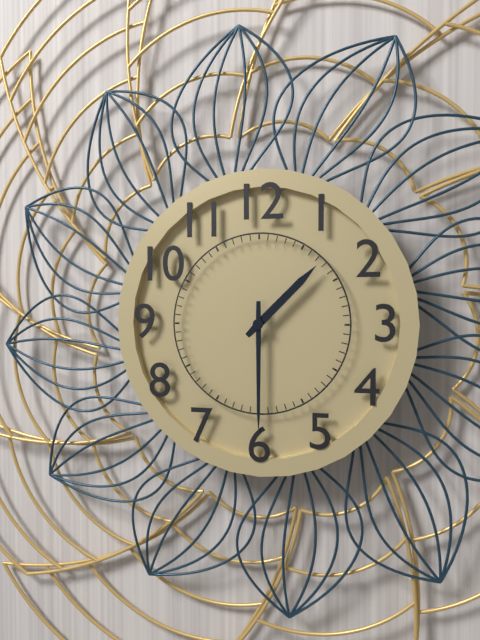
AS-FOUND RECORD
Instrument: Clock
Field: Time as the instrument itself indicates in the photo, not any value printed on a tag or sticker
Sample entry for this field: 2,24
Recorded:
1,30
